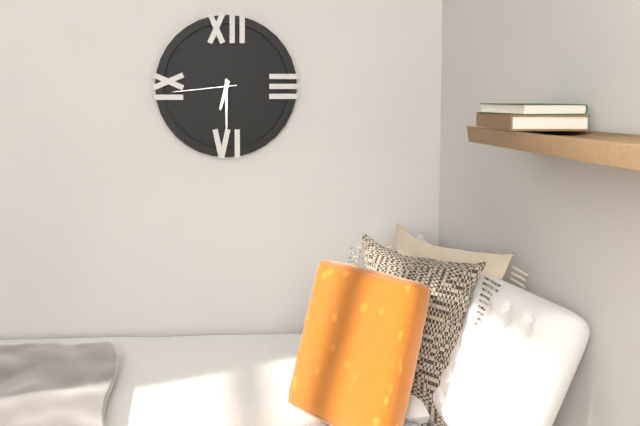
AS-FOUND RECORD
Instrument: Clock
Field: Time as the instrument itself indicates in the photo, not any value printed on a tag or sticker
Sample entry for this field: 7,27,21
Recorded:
6,30,44
